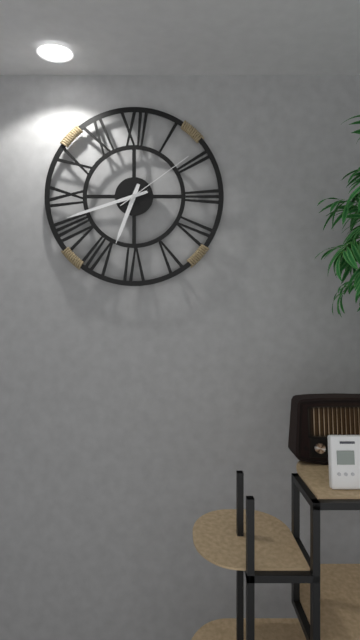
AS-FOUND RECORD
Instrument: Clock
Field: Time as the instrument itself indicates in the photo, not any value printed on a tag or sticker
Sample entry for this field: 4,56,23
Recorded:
6,42,09
